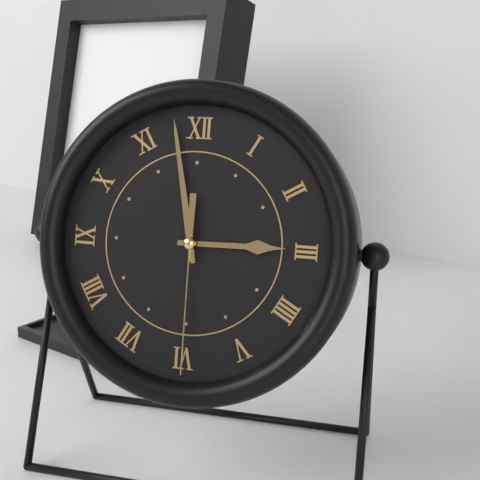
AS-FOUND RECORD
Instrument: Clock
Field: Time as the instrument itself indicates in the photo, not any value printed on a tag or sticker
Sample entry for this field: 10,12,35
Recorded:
2,58,30
